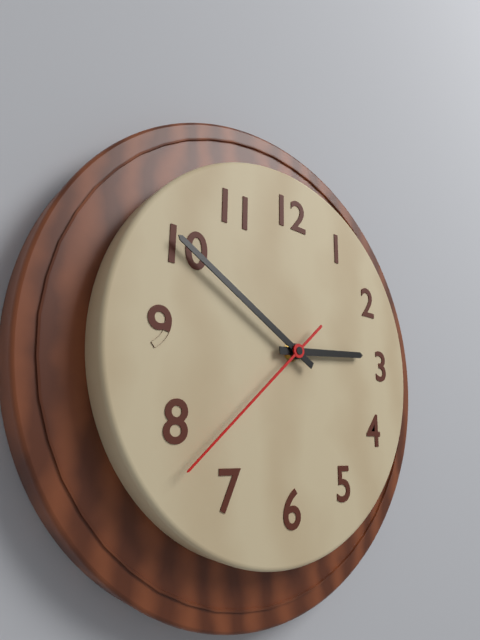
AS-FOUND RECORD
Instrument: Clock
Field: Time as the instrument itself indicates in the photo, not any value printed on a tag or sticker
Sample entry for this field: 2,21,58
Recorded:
2,50,38
